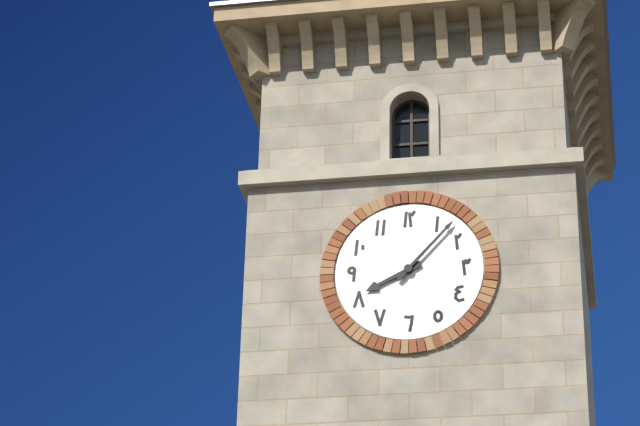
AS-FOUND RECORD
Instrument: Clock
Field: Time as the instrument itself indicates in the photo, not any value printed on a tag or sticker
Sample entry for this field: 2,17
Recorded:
8,07
